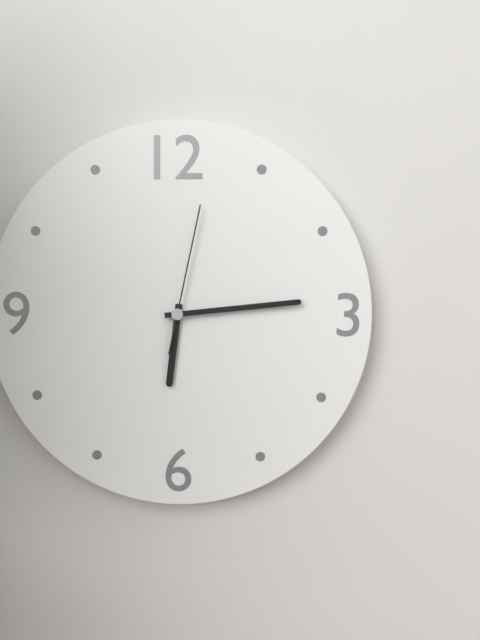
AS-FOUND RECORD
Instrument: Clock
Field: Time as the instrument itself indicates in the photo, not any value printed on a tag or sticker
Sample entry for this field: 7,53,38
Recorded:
6,14,02
